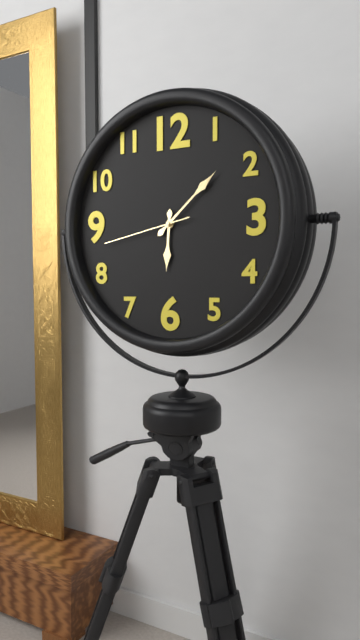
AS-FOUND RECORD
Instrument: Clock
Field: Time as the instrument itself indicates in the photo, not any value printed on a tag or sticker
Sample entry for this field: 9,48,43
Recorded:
6,08,43
